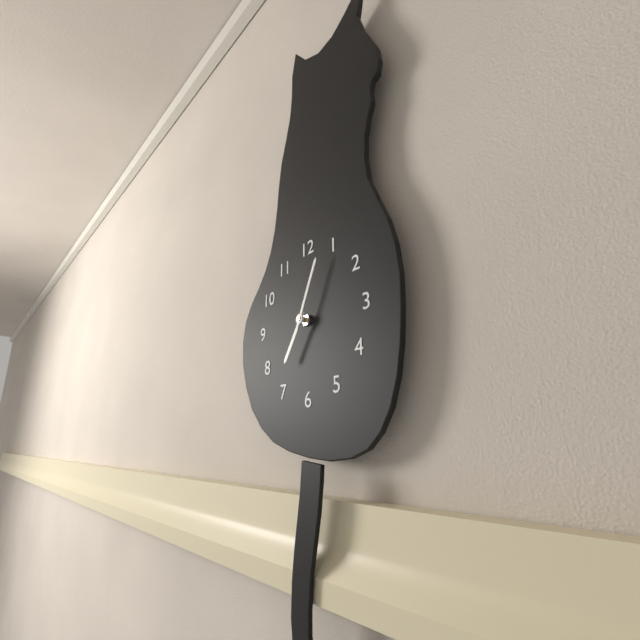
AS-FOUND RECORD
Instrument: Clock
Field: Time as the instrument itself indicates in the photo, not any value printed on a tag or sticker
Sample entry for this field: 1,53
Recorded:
7,04
